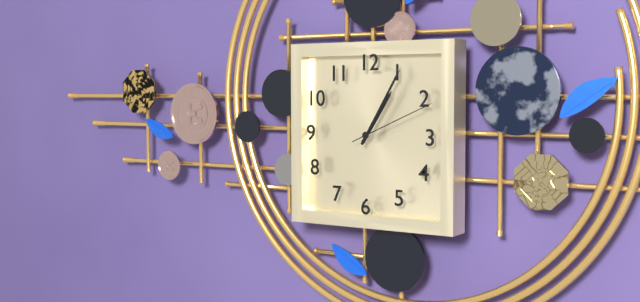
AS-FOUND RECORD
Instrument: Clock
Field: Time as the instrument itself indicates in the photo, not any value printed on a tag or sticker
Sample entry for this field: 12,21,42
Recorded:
1,05,11
